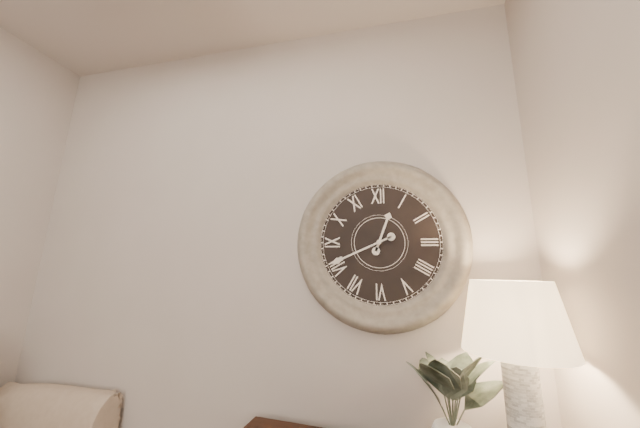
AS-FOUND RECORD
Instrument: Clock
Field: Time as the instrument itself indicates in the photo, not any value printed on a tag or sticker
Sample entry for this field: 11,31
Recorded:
12,41
